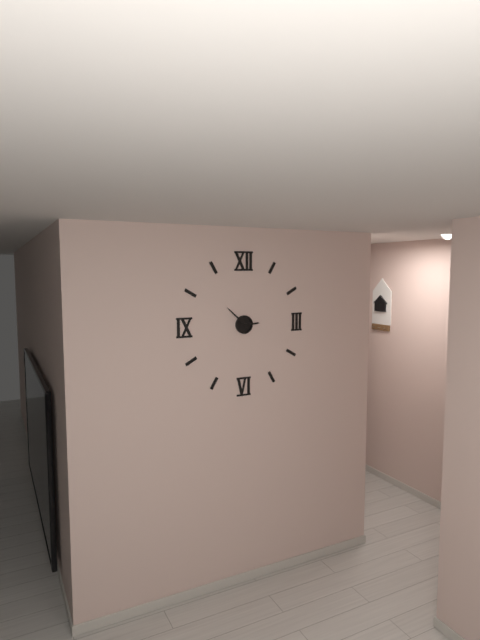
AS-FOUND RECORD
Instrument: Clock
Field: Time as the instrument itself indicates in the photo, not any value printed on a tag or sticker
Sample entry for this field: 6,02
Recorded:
2,52
